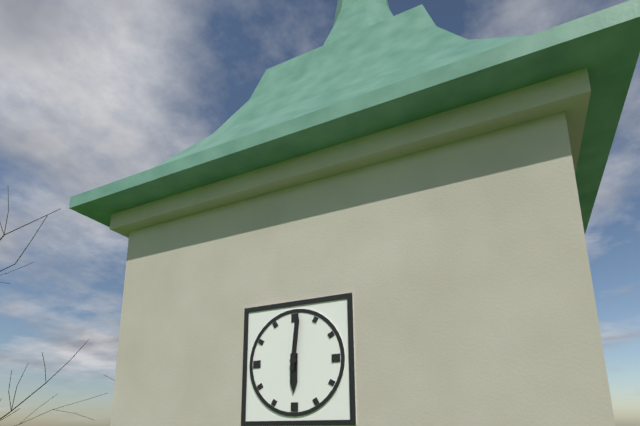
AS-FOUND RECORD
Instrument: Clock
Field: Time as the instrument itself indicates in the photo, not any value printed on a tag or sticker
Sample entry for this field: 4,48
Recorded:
6,01
